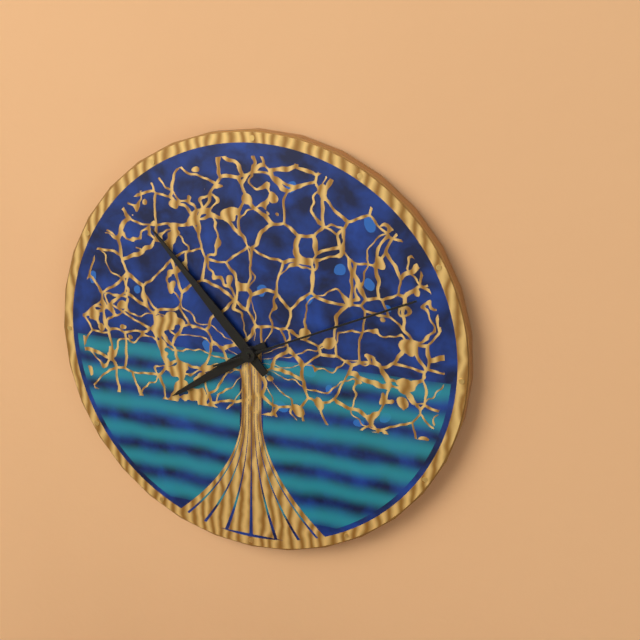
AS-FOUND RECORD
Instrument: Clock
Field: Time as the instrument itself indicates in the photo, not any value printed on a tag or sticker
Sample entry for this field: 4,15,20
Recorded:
7,53,11
